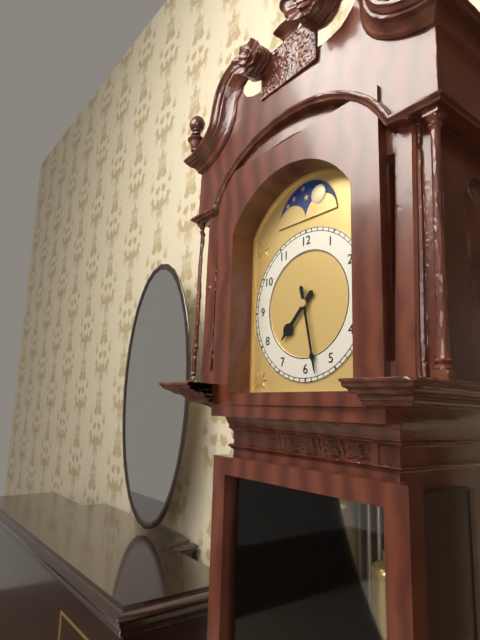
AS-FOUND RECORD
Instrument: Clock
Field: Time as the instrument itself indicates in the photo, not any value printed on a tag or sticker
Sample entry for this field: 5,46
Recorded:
7,28
